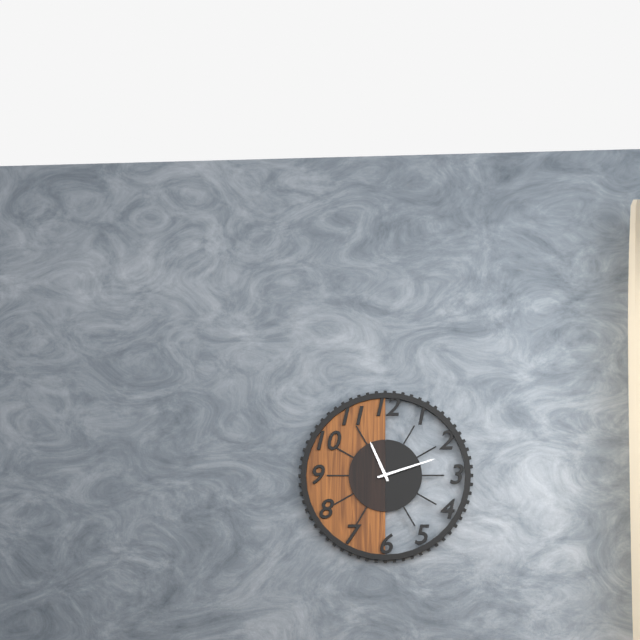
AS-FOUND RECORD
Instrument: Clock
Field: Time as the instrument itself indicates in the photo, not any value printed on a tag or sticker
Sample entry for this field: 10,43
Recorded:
11,12
